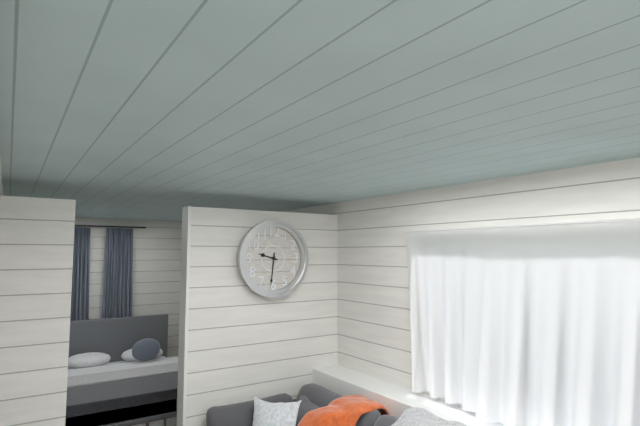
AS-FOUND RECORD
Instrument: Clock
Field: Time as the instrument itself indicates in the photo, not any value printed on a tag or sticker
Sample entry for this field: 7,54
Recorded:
9,31
